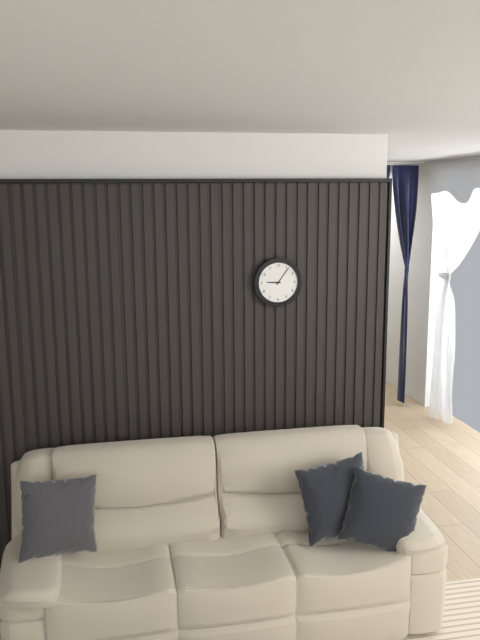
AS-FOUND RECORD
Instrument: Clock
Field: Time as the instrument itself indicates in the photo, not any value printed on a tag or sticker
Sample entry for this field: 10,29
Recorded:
9,06
